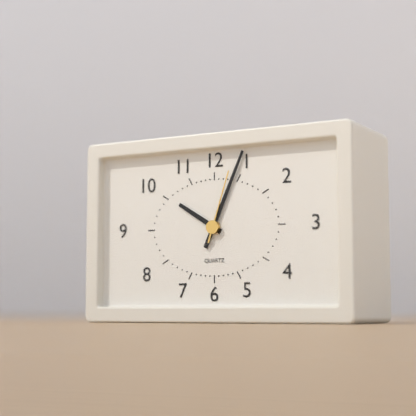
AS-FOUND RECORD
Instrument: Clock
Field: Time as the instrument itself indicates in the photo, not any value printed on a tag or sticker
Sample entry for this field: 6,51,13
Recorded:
10,04,03
